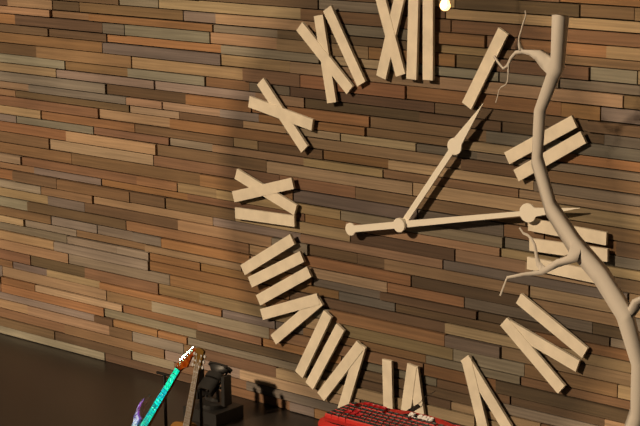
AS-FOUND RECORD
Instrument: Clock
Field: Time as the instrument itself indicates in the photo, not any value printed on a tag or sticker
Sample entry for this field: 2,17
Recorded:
1,13
